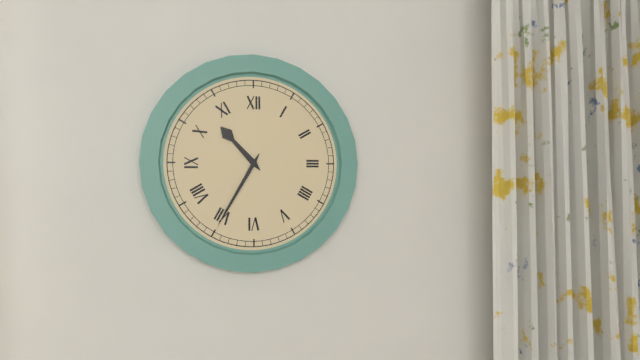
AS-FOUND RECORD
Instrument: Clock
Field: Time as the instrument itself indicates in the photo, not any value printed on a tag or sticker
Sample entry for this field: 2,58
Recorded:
10,35
